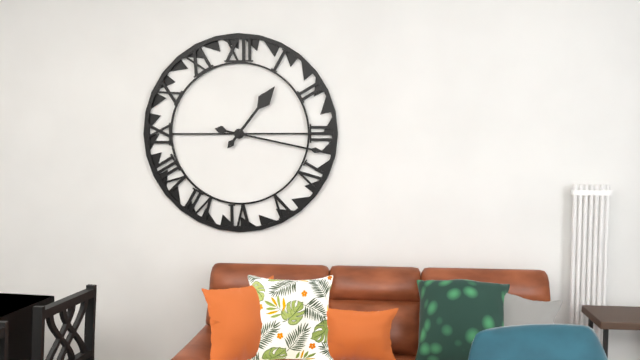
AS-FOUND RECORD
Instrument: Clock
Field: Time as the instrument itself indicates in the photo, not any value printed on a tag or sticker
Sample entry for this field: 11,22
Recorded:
1,17
